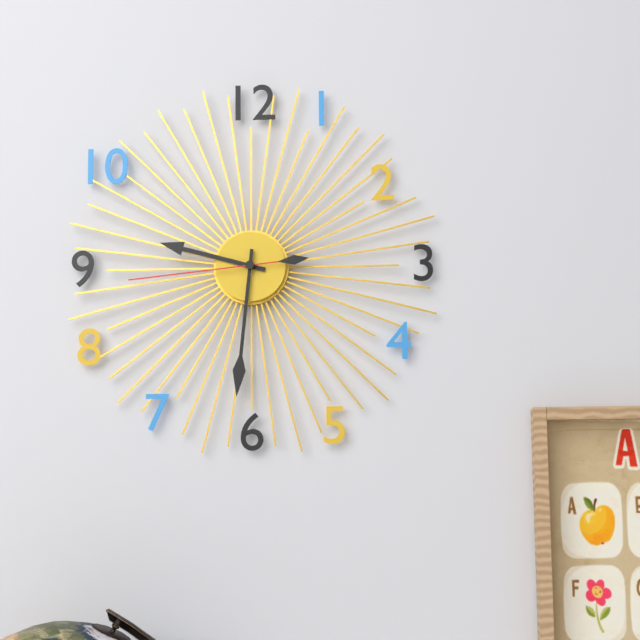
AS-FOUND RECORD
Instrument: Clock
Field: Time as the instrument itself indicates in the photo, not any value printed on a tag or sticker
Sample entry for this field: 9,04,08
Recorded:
9,31,44
